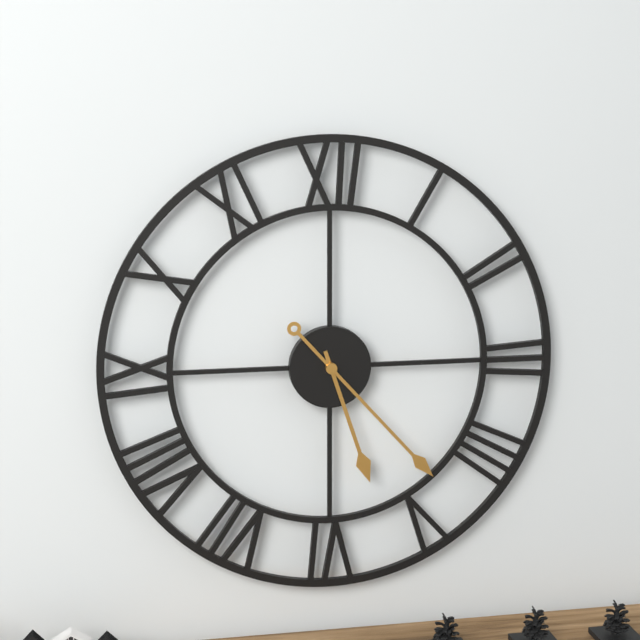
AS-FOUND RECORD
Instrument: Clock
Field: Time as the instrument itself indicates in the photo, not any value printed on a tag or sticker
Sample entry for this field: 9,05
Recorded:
5,23
